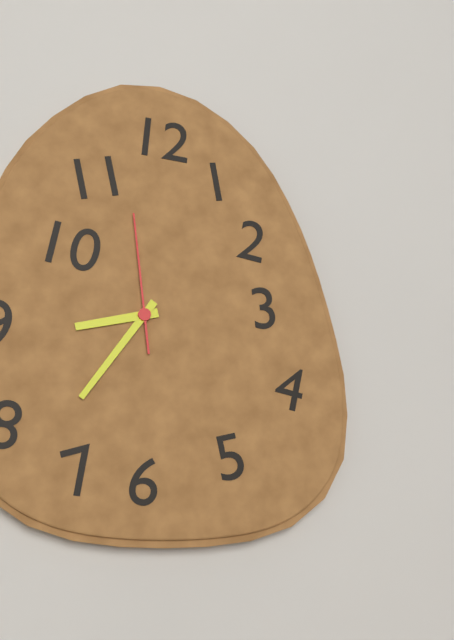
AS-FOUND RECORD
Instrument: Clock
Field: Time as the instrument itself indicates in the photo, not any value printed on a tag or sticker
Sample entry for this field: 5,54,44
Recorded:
8,36,59
